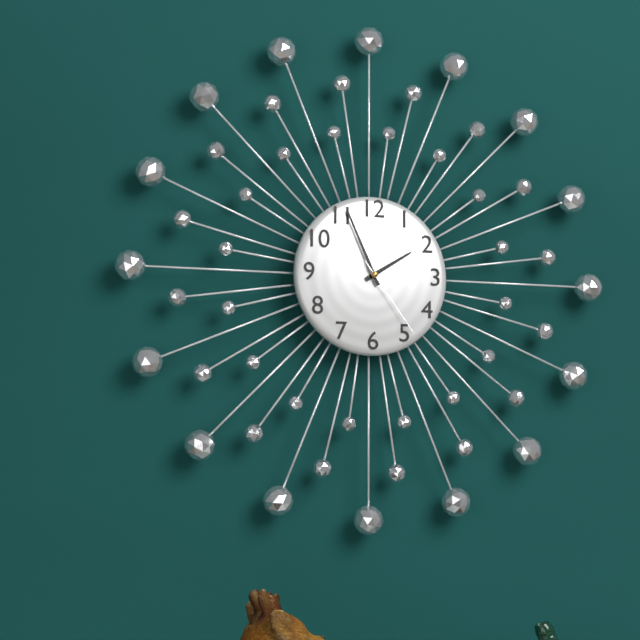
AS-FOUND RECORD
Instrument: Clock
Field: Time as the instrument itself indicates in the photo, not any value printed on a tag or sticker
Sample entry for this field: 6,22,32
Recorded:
1,56,24
